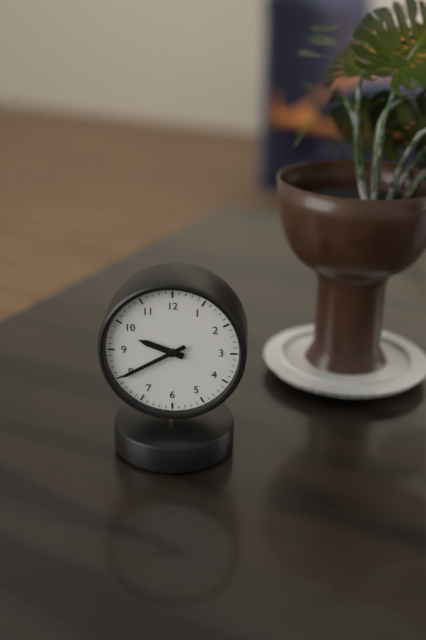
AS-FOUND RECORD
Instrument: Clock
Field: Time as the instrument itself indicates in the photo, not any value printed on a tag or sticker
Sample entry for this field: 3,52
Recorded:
9,40
